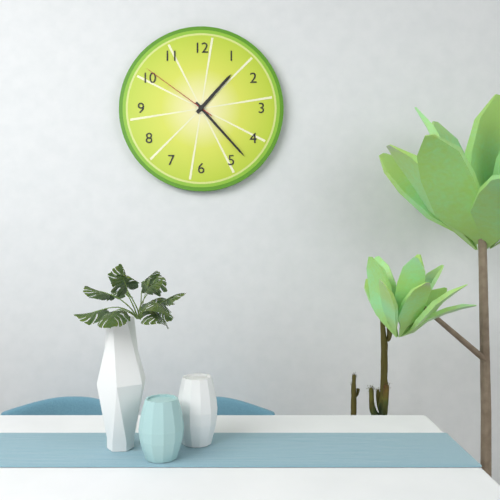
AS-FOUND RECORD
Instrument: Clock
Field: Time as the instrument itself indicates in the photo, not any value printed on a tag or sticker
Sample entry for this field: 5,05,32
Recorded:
1,23,51
